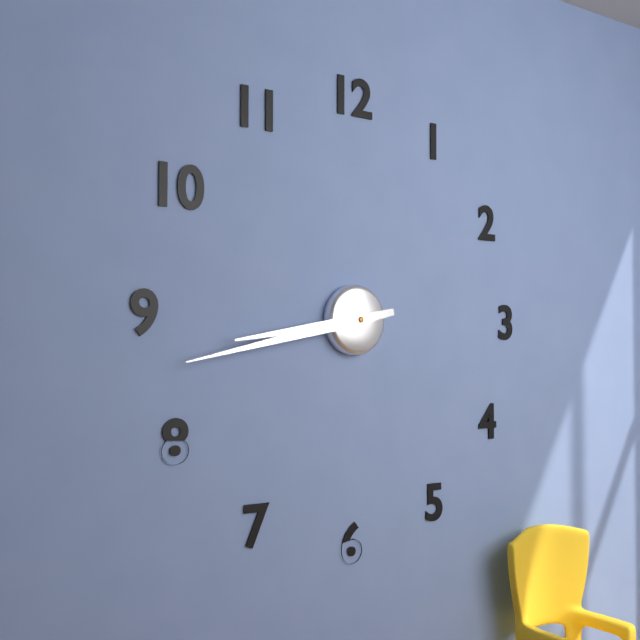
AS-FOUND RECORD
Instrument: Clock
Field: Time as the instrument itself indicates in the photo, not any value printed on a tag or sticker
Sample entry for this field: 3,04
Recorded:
8,43
